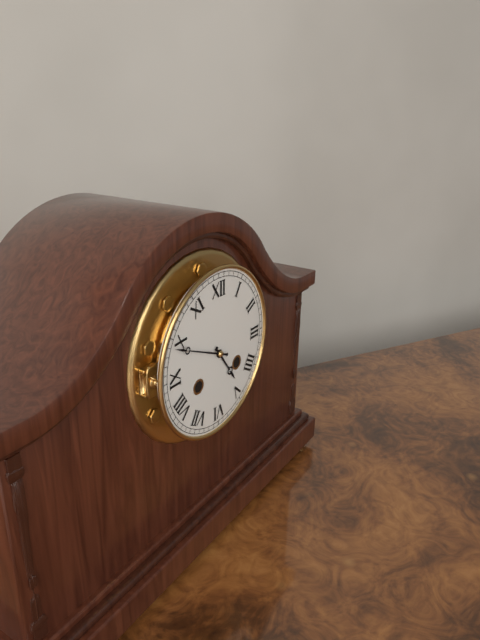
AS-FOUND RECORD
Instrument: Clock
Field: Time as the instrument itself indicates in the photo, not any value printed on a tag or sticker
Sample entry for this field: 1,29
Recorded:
4,49
